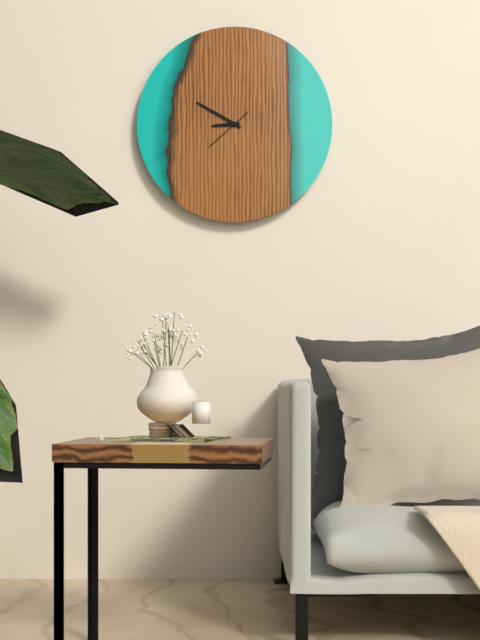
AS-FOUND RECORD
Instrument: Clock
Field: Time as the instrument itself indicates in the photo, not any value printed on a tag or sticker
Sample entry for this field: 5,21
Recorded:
8,50
